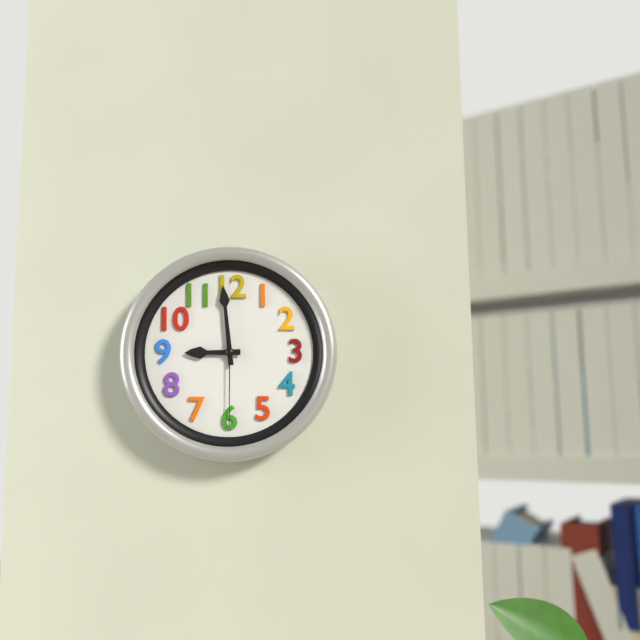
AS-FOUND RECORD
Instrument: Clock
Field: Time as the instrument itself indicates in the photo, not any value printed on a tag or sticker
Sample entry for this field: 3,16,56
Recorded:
8,59,30
